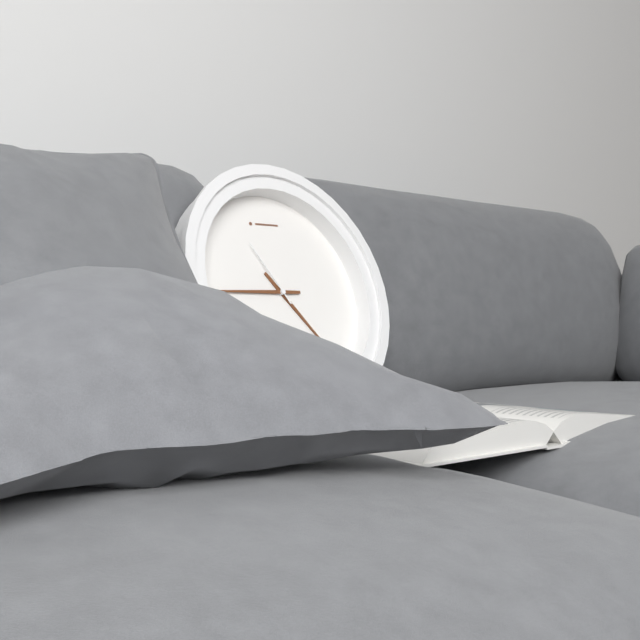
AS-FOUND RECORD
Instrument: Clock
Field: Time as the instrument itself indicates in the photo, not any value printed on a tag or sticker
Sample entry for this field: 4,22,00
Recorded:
4,45,55
